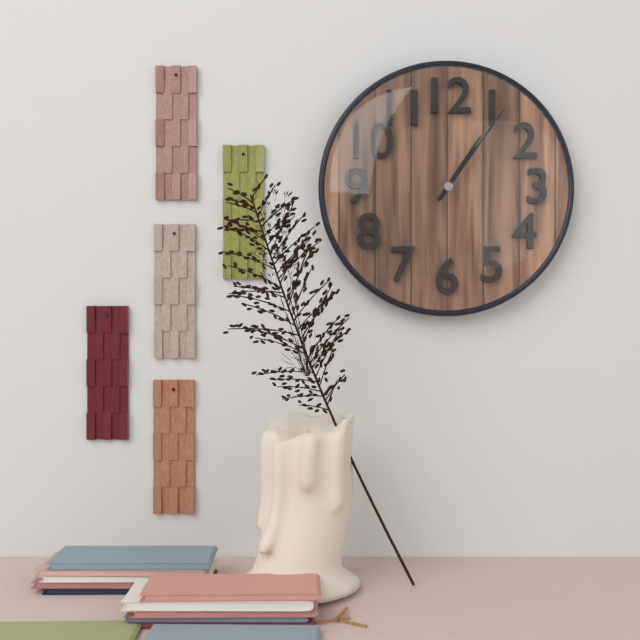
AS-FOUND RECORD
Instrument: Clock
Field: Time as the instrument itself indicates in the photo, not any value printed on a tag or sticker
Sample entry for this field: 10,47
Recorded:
1,06
